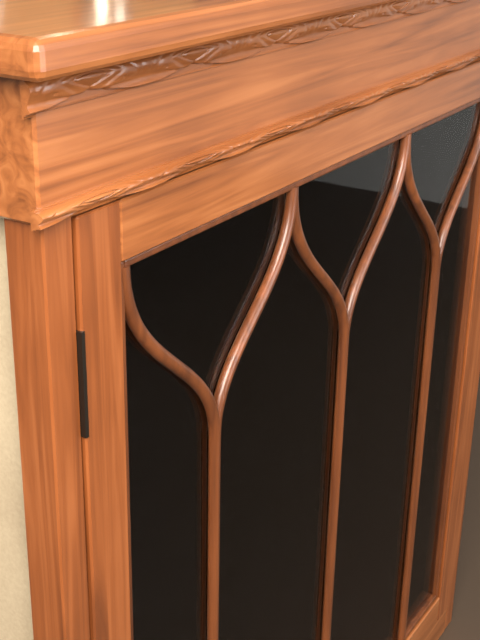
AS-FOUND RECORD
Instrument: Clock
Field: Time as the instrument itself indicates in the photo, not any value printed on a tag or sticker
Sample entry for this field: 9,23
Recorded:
8,11
